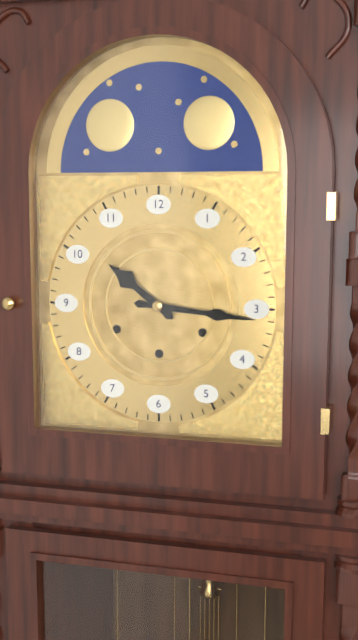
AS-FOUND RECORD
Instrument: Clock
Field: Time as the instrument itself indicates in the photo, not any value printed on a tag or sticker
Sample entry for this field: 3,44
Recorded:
10,16
